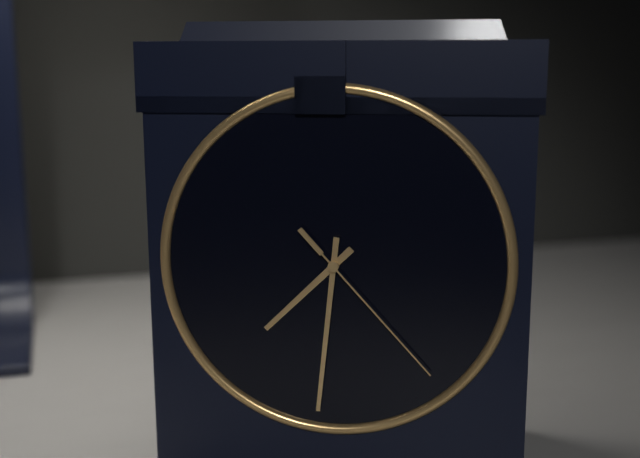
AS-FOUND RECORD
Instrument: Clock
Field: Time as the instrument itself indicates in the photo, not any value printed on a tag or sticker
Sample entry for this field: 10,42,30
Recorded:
7,31,23
